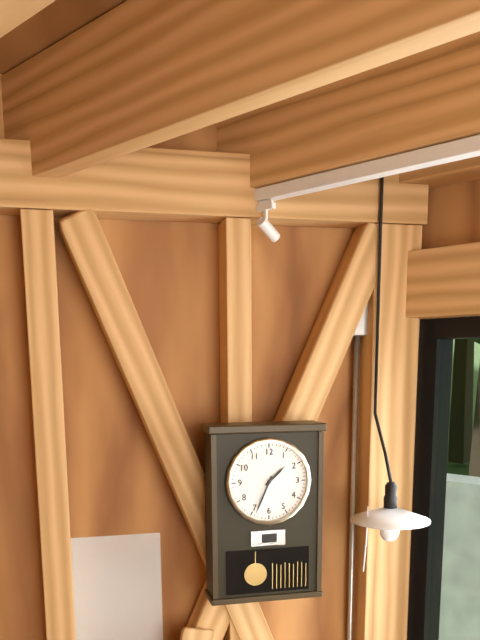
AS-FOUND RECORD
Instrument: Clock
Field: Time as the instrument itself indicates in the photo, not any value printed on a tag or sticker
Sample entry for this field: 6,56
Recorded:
1,34
